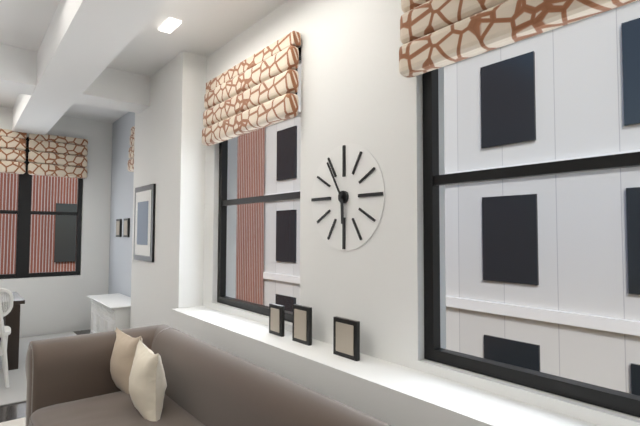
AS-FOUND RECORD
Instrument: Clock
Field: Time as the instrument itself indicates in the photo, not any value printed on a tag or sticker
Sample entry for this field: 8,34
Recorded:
5,55
